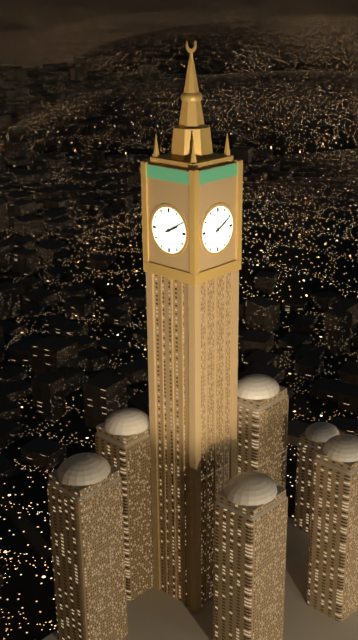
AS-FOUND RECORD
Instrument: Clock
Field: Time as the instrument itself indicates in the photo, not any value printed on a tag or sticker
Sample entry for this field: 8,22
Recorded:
2,10
